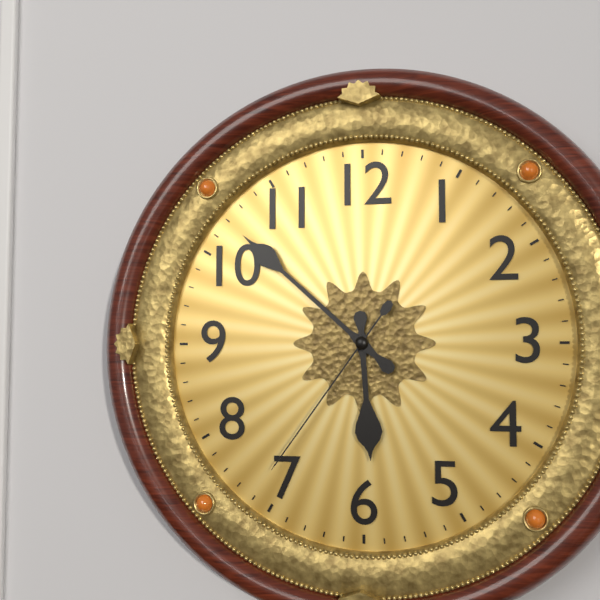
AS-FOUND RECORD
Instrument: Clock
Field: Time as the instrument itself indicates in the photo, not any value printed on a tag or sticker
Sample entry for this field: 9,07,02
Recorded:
5,52,36
